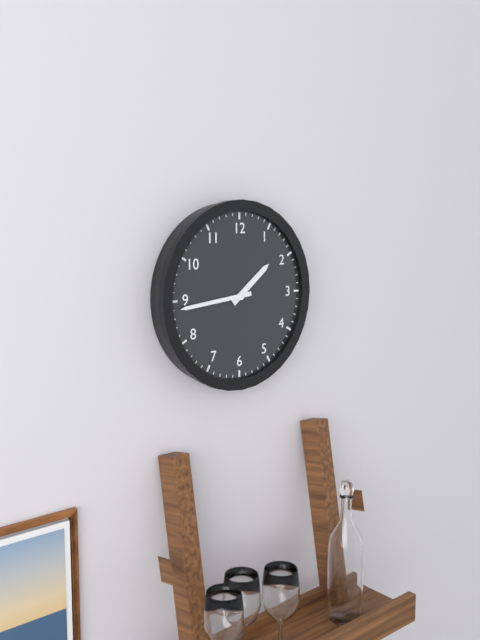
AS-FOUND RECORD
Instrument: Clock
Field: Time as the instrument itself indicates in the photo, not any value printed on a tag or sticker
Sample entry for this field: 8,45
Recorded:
1,44
